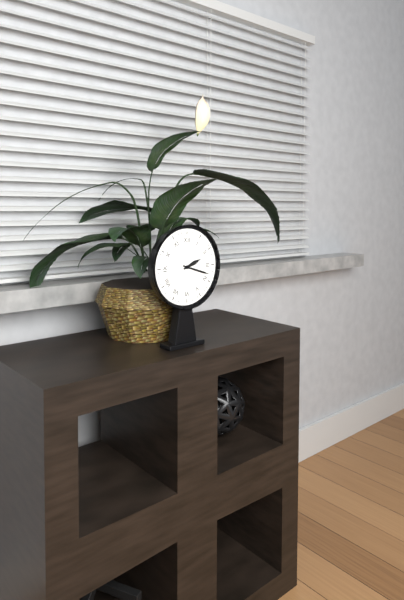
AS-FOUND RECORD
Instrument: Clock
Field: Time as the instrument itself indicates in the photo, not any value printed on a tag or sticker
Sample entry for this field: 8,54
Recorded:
2,18
